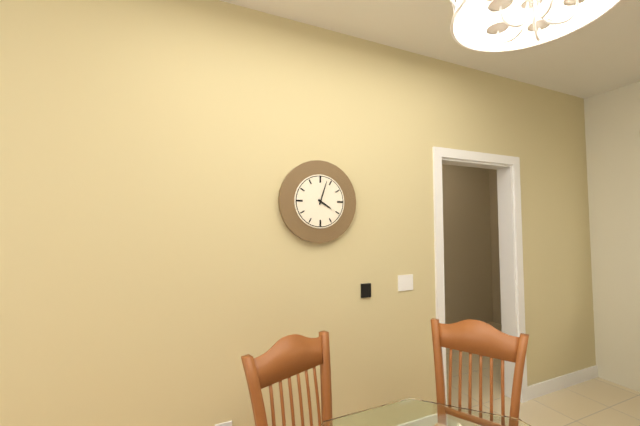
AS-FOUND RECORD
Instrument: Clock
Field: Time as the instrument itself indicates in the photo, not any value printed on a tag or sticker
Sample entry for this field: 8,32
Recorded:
4,03
